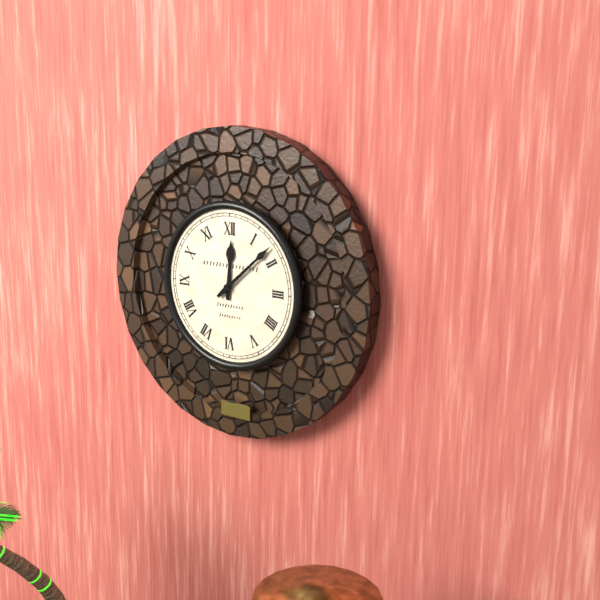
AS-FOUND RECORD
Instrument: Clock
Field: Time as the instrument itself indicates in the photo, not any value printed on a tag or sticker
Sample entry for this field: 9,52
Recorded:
12,08
